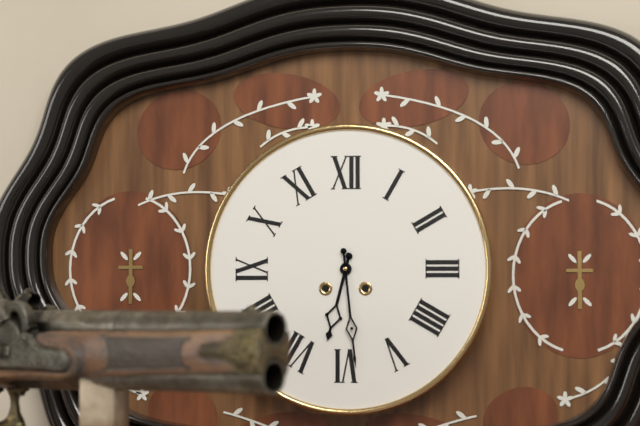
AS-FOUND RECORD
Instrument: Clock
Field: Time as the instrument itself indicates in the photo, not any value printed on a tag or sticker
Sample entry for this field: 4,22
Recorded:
6,29
